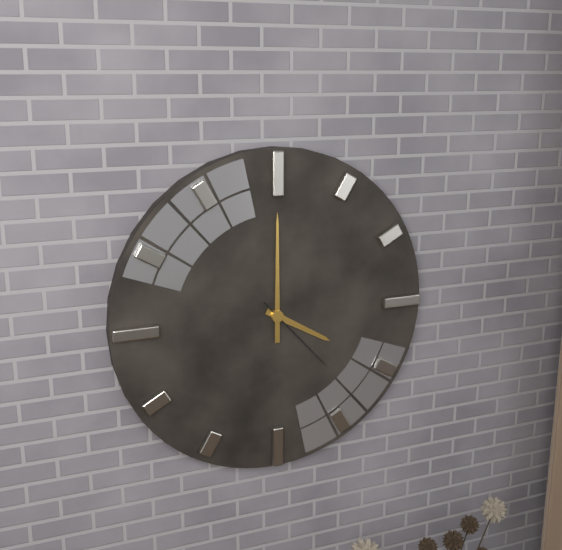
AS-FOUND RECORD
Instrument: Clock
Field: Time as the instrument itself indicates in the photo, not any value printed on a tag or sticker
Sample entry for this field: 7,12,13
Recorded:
4,00,23
